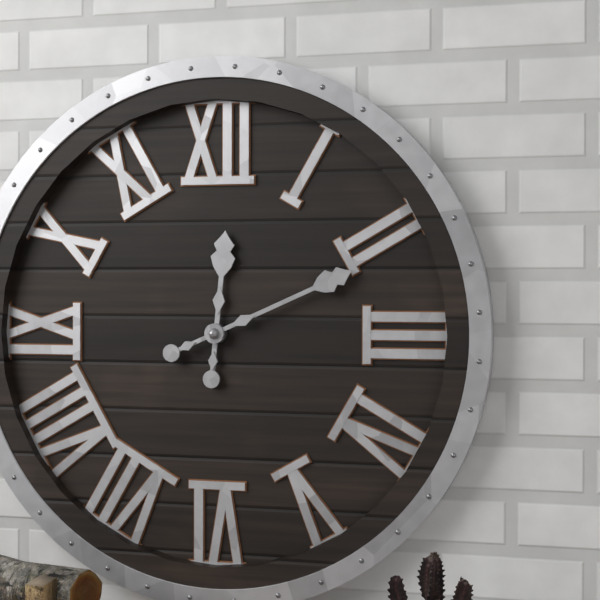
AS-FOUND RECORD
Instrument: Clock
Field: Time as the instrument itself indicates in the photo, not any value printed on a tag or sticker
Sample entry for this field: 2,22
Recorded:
12,11
